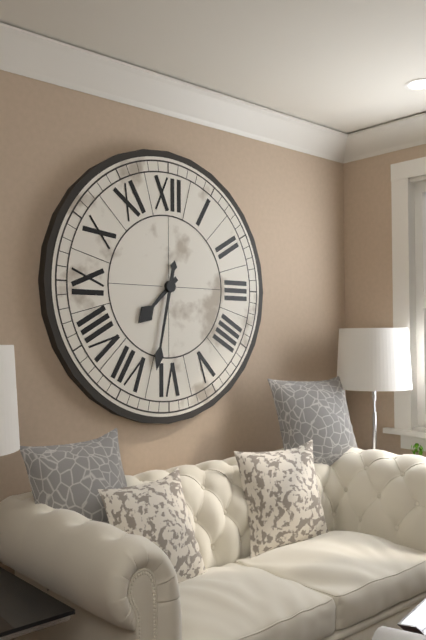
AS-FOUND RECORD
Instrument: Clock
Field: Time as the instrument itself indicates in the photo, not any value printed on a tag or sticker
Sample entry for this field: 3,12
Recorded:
7,32
